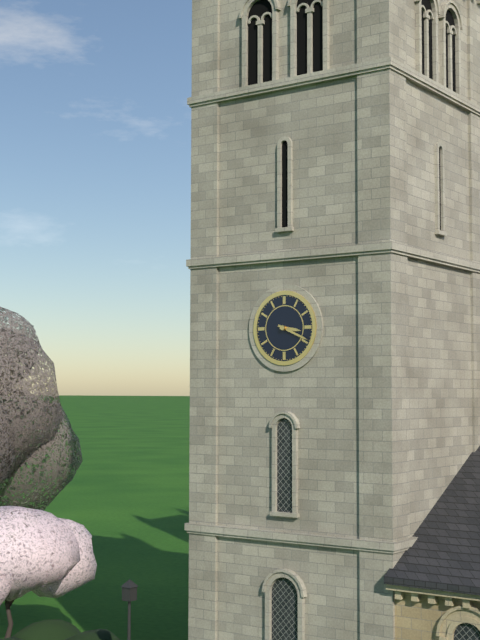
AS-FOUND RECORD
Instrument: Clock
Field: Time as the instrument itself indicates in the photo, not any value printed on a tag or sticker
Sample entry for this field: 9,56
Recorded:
3,19
